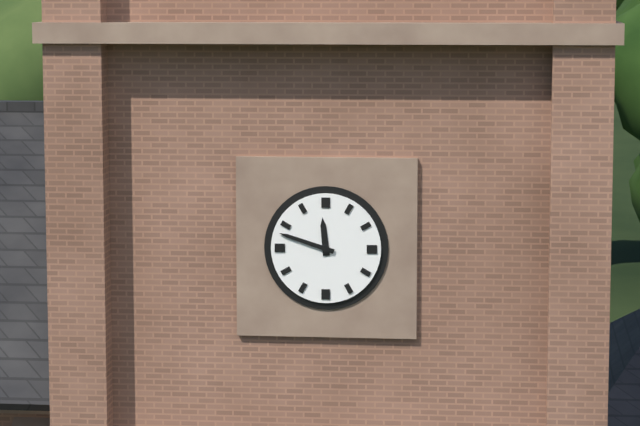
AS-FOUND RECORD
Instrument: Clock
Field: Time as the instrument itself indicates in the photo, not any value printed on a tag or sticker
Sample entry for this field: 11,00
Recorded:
11,48
